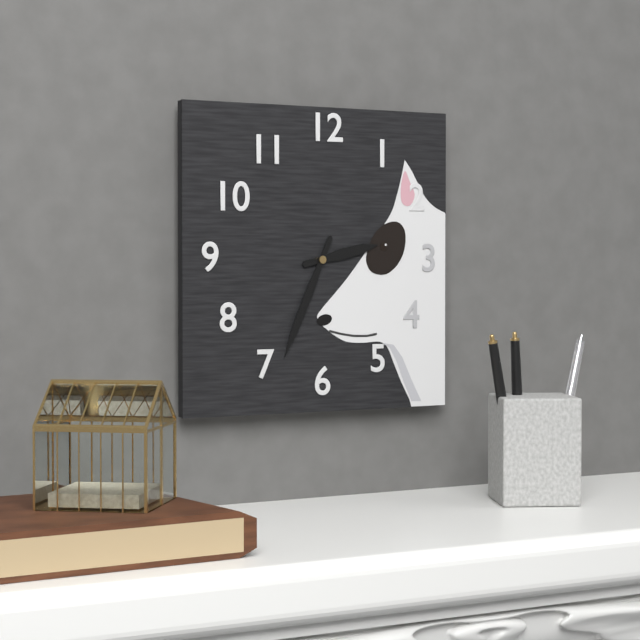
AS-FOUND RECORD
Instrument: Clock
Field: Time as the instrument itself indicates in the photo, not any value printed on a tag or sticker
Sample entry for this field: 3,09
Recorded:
2,34
